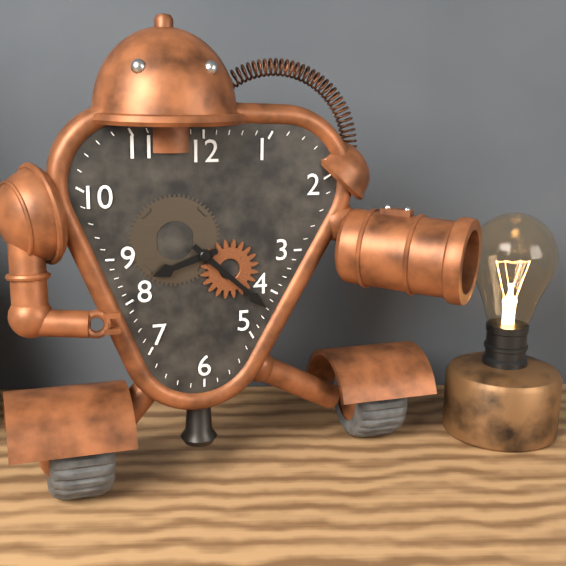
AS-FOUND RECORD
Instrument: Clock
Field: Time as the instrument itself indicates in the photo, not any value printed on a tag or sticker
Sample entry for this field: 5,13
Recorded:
8,22
